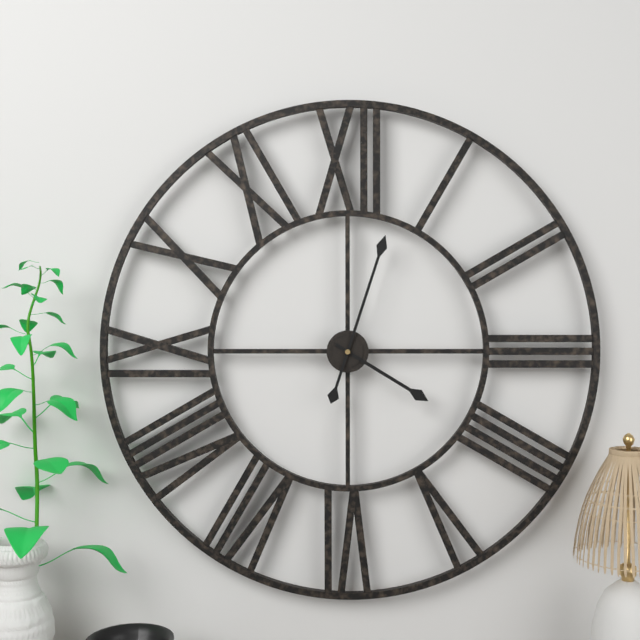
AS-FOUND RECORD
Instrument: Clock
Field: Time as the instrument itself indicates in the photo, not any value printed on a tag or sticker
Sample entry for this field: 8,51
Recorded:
4,03
